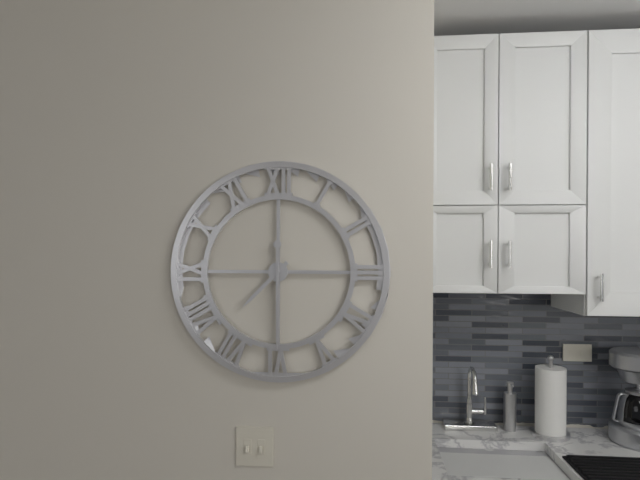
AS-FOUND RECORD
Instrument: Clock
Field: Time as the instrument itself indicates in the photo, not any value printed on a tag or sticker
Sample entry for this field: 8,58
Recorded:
7,30
